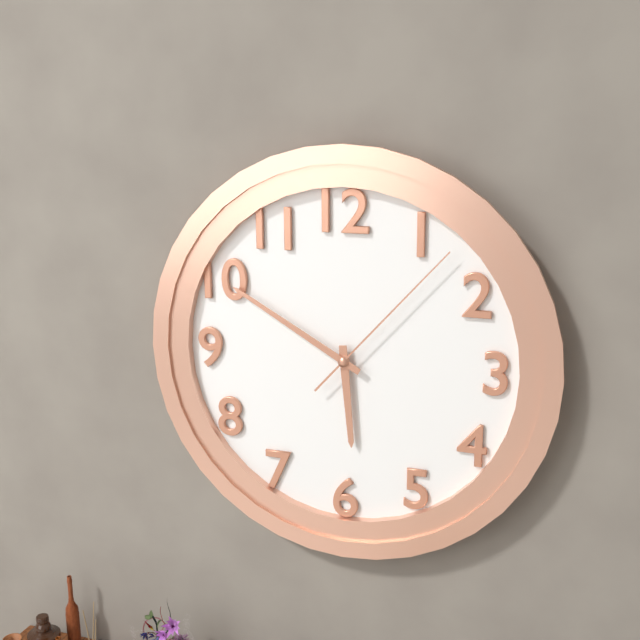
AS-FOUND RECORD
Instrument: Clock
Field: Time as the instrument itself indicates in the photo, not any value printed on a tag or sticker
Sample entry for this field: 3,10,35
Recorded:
5,50,07
